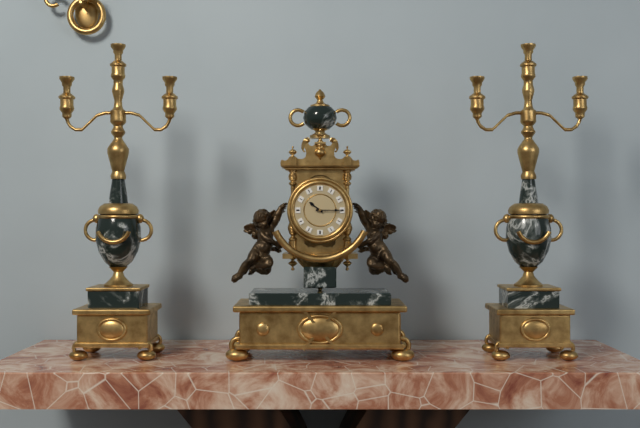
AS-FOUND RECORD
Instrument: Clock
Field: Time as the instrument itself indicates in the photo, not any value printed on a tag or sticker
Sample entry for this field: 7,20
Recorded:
10,15
